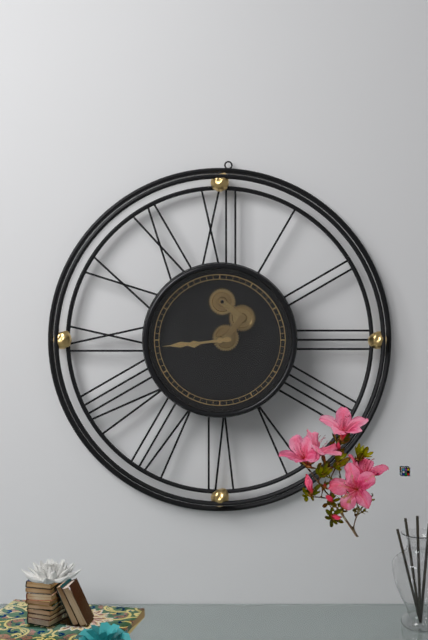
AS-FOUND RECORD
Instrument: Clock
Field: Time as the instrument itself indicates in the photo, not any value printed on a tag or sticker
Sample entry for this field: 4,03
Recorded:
8,44
